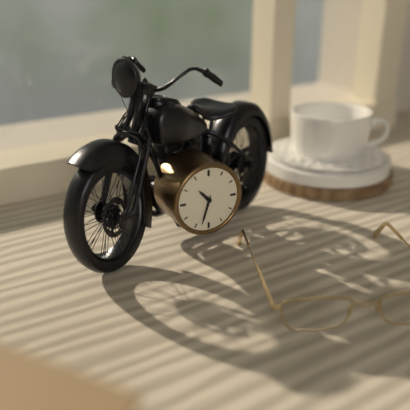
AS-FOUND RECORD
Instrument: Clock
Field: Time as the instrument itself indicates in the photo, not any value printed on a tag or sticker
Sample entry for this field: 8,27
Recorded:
10,33
